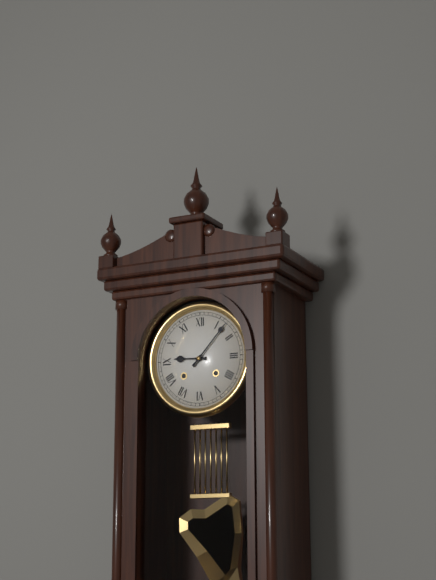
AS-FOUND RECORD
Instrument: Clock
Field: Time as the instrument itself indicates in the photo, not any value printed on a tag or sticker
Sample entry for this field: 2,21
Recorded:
9,07
